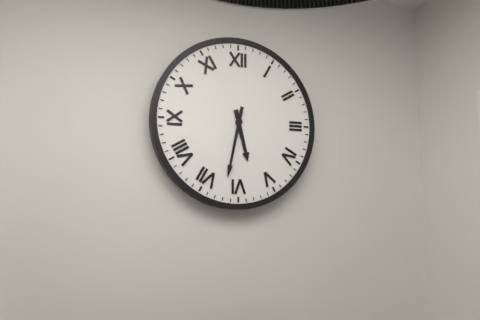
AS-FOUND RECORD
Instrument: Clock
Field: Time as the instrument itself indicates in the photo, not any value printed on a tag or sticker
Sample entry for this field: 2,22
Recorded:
5,32
